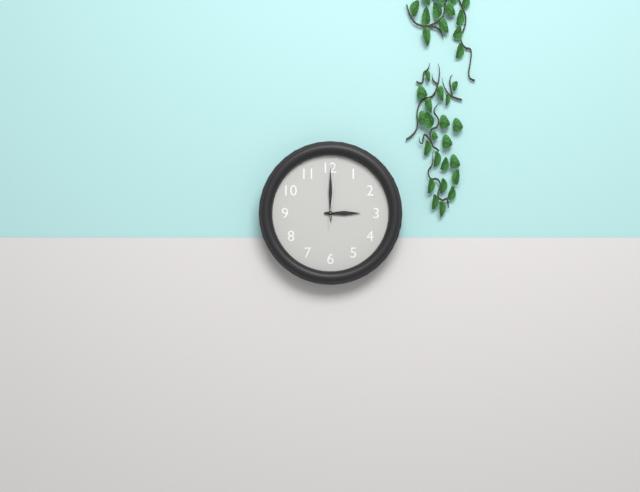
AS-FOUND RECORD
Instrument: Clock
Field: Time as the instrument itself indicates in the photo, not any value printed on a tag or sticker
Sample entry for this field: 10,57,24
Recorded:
3,00,01
